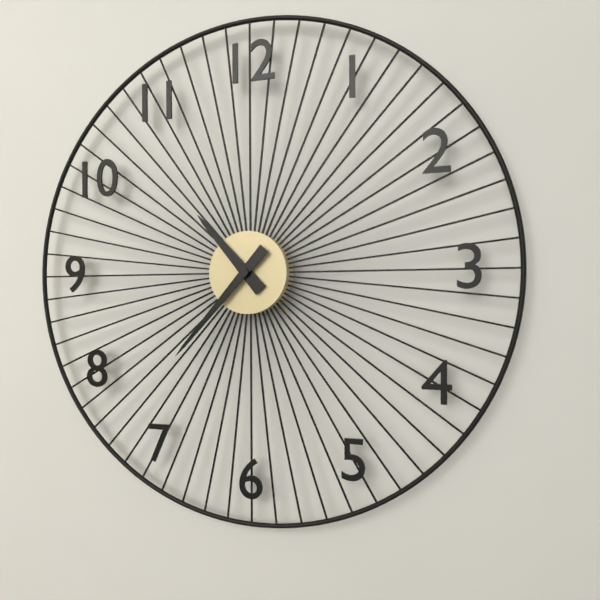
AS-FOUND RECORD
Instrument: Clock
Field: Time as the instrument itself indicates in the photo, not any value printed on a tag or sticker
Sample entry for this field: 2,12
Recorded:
10,37
